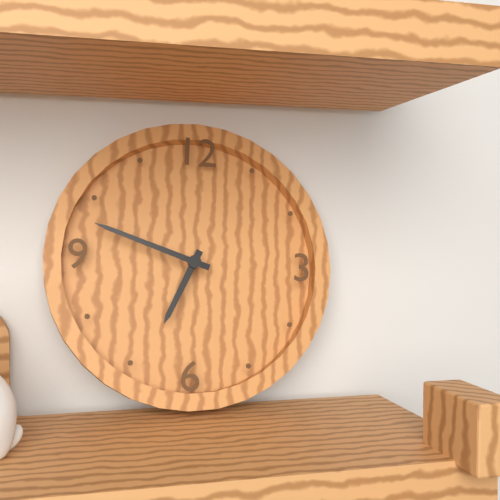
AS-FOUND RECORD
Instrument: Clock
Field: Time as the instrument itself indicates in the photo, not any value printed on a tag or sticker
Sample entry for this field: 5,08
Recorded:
6,48
